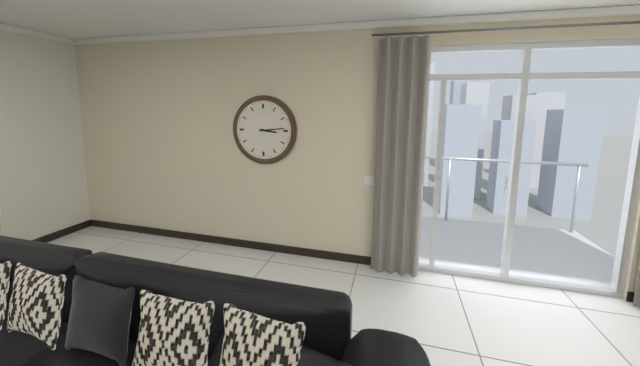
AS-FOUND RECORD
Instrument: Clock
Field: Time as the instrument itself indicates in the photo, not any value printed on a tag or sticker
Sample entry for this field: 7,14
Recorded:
3,14
